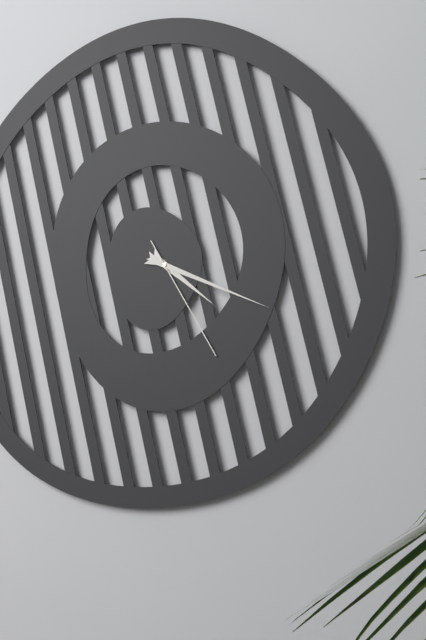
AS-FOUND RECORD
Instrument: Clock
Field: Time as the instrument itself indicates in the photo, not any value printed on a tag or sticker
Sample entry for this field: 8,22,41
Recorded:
4,19,25
